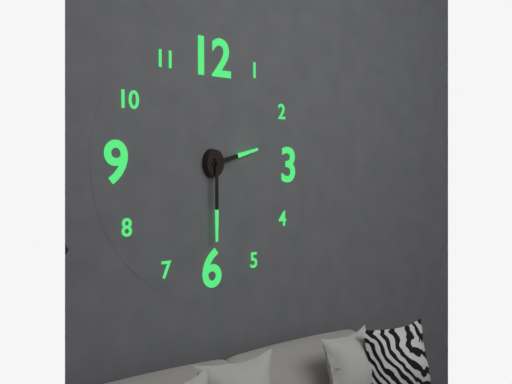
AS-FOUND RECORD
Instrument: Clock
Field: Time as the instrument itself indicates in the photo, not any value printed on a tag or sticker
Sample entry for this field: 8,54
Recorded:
2,30
